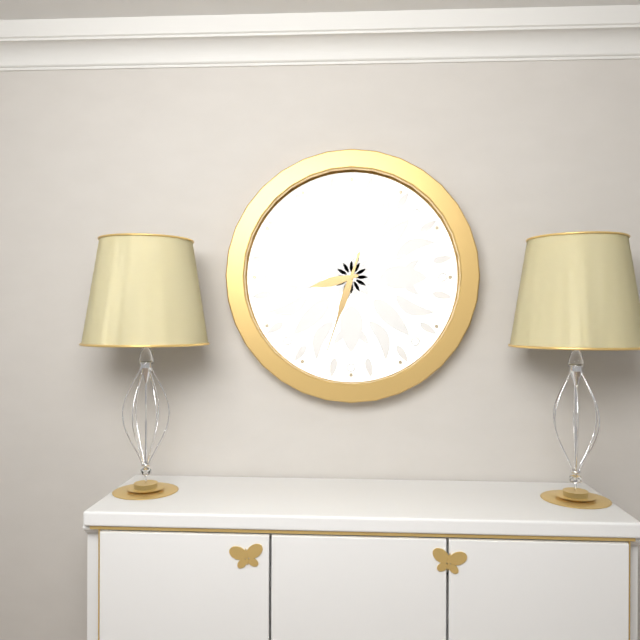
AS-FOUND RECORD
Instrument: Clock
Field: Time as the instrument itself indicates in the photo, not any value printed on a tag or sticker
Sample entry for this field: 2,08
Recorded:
8,33
